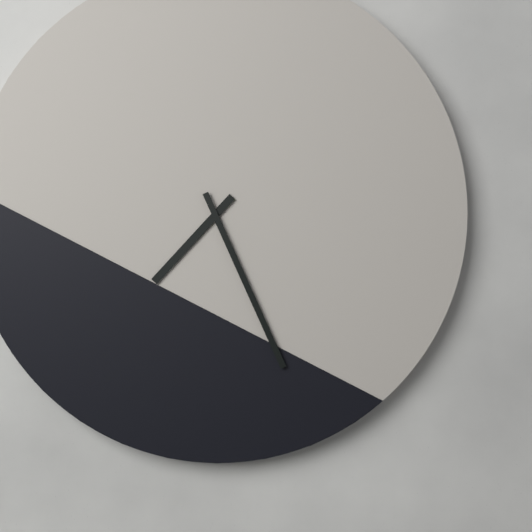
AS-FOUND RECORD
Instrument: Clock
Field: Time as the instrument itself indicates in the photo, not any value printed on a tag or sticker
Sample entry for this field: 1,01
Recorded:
7,26
